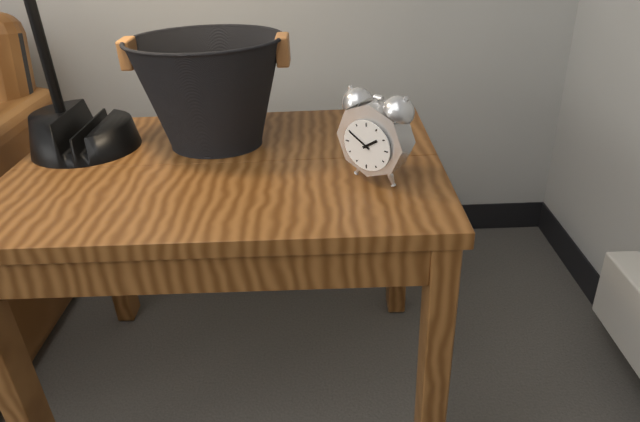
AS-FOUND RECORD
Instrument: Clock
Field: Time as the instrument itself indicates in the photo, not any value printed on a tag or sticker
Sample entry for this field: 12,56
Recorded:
1,50
